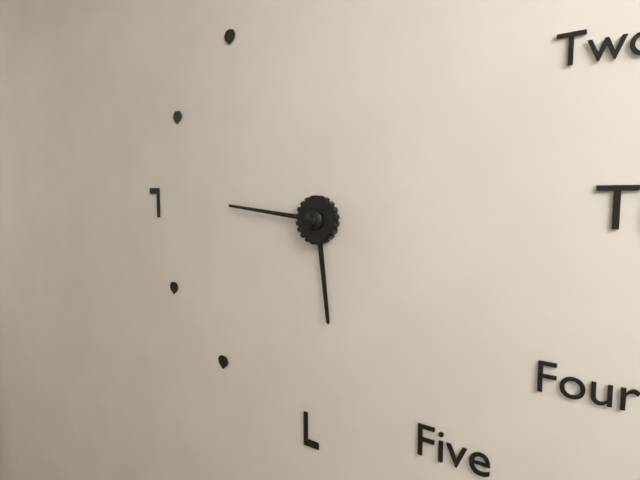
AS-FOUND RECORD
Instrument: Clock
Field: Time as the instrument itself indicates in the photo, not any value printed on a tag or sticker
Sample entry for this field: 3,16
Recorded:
5,46
